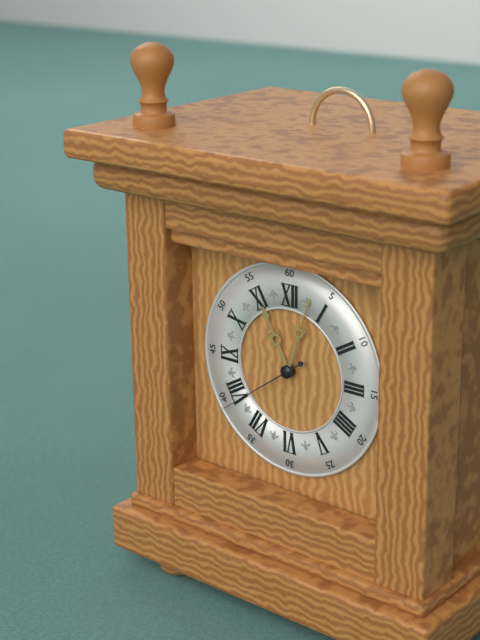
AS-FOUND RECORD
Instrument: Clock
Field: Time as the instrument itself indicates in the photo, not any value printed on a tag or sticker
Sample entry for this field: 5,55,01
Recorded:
11,03,39
